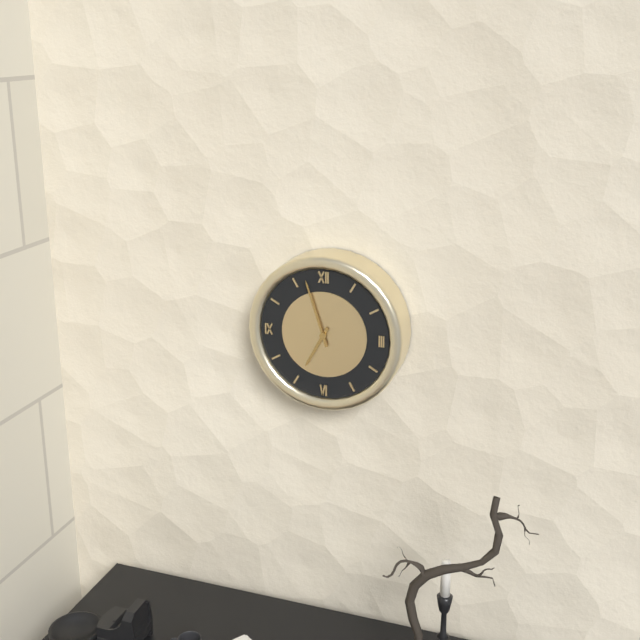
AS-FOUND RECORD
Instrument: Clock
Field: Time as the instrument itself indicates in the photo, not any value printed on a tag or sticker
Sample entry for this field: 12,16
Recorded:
6,57
